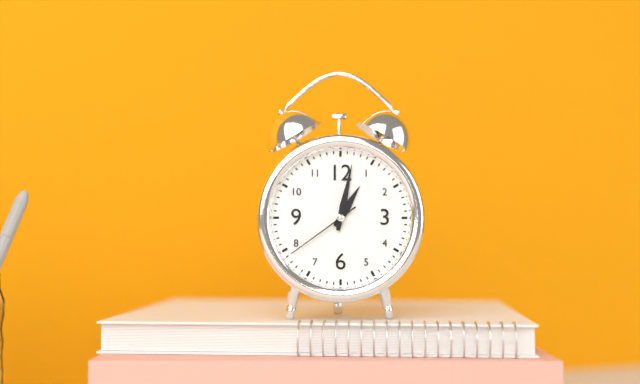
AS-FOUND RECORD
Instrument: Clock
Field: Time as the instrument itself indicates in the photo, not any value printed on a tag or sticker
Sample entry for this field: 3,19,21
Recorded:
1,02,39
